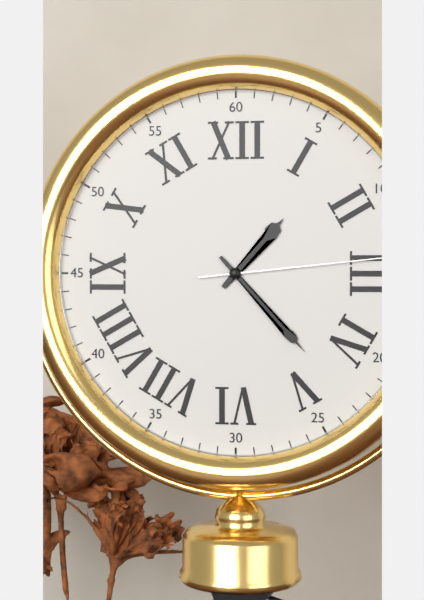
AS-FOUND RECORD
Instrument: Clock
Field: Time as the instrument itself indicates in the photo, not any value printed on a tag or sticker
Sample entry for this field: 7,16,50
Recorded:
1,23,14
